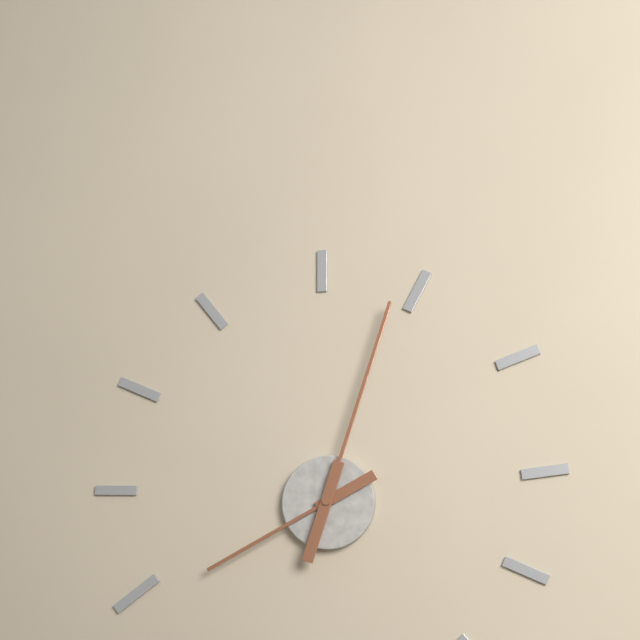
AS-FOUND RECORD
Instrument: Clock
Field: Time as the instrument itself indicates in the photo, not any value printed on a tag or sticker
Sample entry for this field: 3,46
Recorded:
8,03
